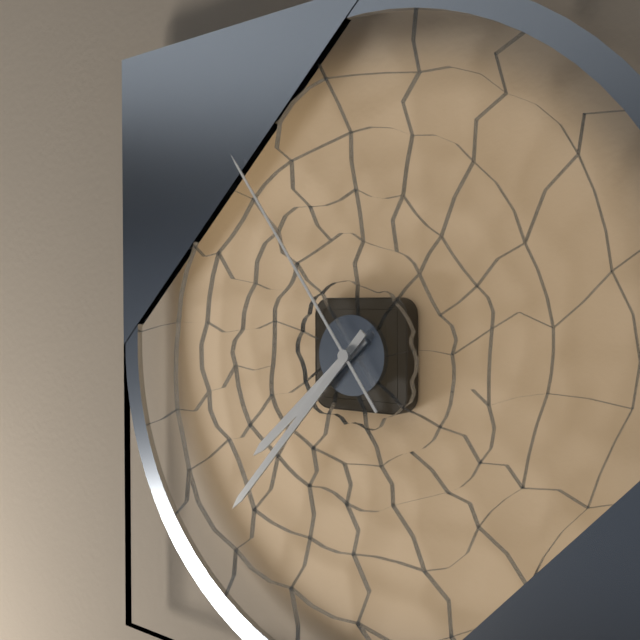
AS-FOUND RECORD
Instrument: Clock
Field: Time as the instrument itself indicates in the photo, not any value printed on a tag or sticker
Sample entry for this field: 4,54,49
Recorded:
7,37,54
